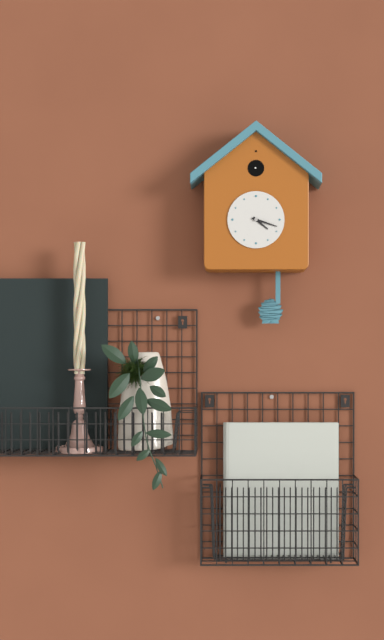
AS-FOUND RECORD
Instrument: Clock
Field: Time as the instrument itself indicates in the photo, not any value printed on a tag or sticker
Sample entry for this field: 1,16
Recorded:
4,18
